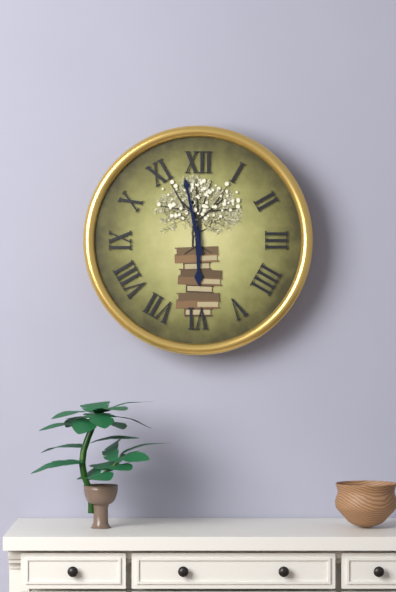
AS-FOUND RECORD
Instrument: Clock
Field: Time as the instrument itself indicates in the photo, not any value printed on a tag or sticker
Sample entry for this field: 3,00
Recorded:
5,58
